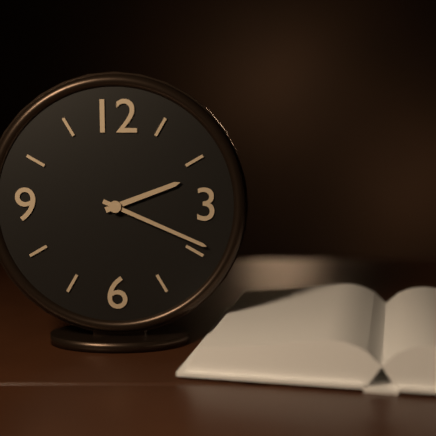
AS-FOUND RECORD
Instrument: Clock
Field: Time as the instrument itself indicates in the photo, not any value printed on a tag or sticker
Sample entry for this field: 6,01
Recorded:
2,19
